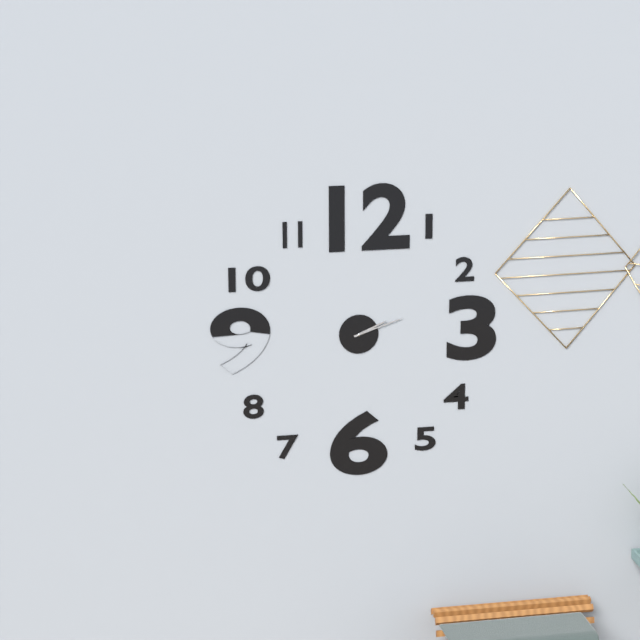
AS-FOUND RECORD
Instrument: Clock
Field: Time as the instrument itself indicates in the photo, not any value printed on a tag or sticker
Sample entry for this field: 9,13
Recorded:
2,12
